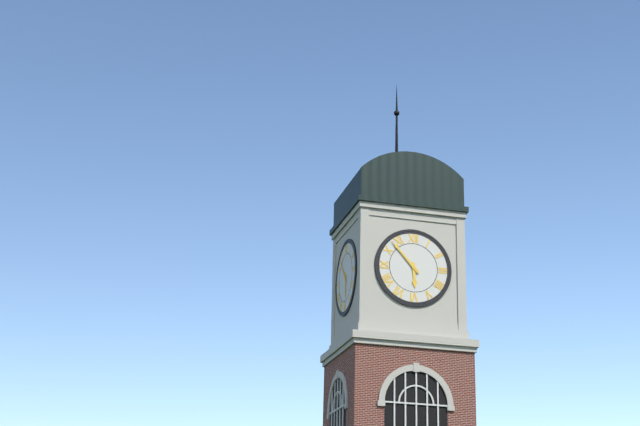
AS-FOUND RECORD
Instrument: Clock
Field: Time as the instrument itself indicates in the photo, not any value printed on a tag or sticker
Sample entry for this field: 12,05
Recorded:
5,53
